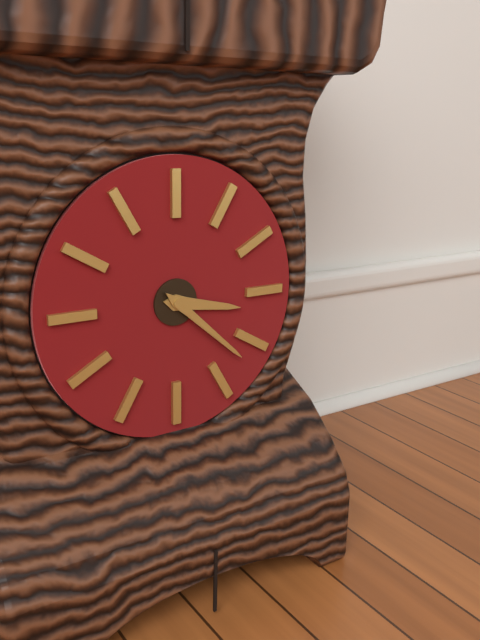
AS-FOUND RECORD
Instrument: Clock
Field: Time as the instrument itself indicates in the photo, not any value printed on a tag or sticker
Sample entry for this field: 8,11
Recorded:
3,22
